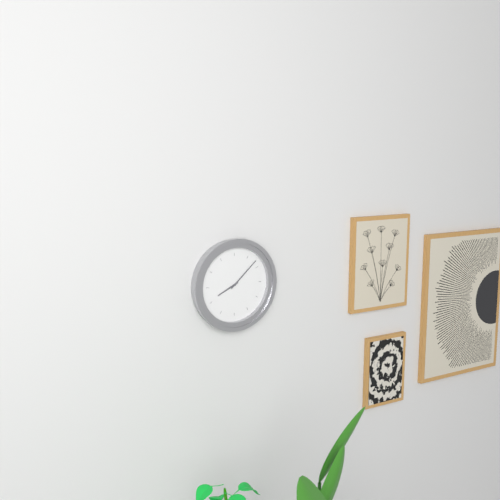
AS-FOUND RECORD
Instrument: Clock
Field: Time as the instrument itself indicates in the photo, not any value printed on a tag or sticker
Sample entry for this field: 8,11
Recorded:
8,08
